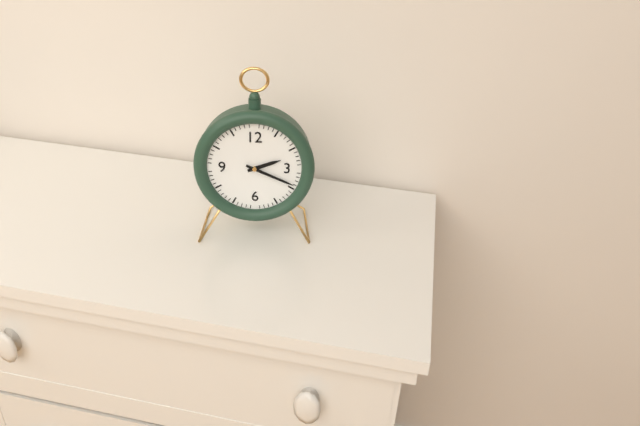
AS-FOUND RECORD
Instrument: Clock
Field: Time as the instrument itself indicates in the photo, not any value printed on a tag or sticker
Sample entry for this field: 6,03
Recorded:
2,19
